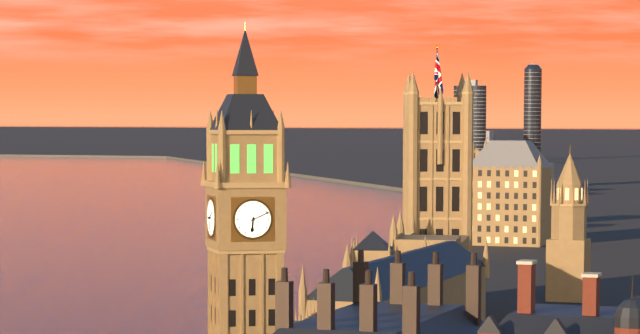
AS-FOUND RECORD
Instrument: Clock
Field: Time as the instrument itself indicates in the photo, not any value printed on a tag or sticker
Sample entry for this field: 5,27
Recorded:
6,11
